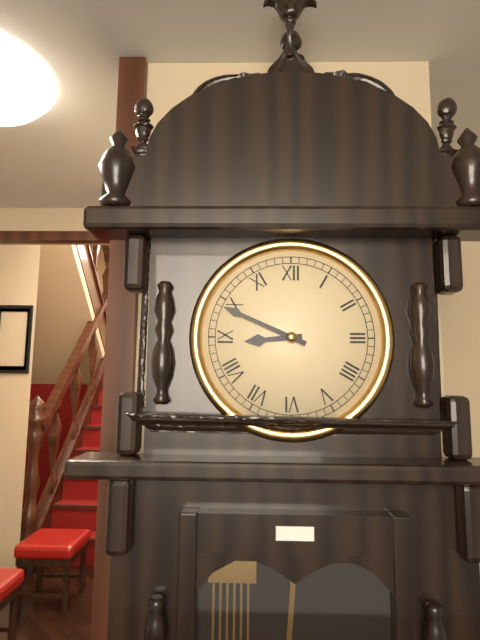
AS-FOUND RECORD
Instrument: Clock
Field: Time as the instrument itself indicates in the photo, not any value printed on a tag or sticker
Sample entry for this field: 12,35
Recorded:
8,49
